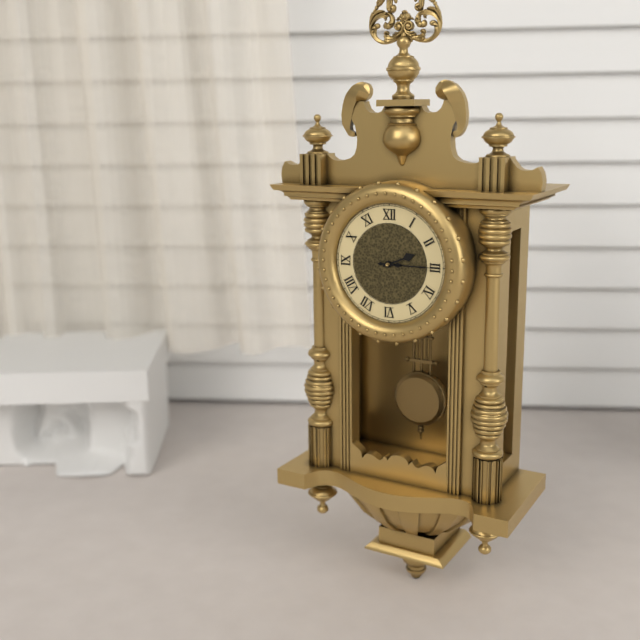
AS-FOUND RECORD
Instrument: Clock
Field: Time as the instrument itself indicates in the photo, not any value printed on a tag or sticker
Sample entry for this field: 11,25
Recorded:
2,15
